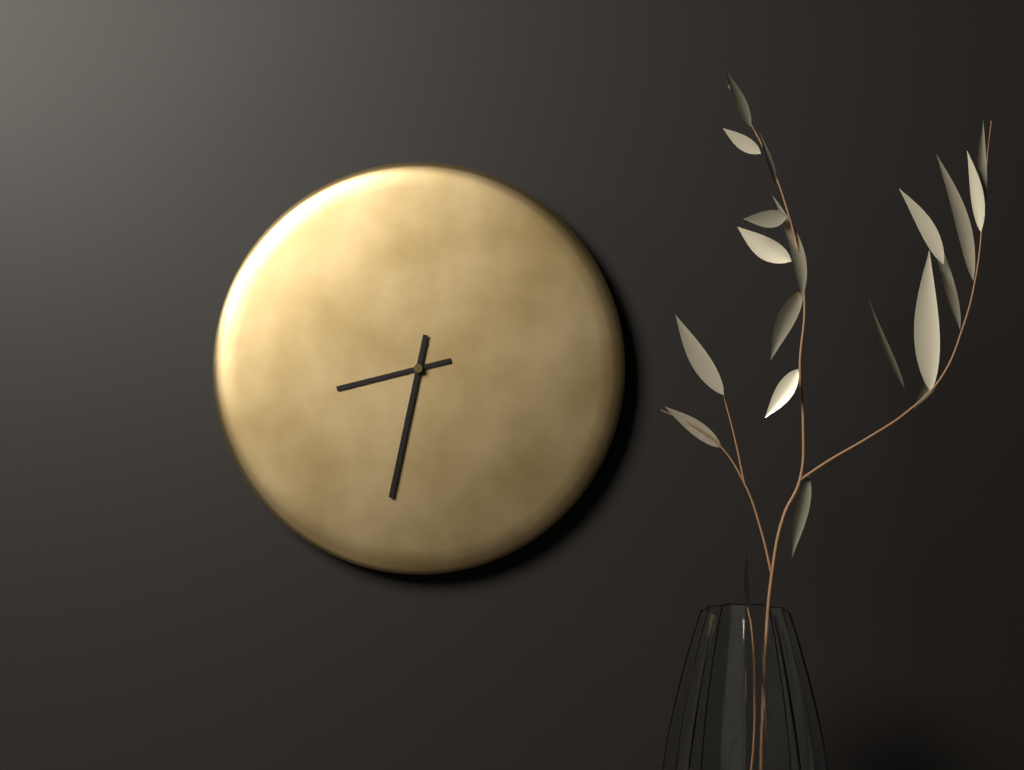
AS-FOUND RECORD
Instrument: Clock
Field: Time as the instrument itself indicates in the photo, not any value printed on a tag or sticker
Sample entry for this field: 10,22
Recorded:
8,32
